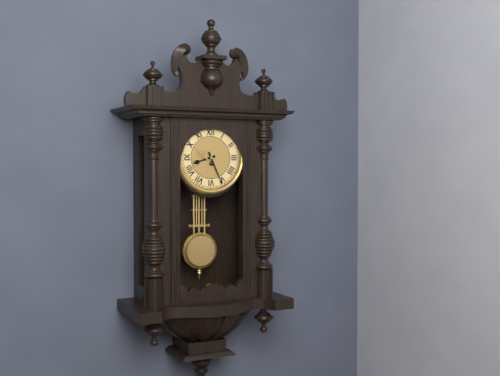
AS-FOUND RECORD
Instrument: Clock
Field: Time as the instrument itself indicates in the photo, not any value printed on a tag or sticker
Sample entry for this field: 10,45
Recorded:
8,26
